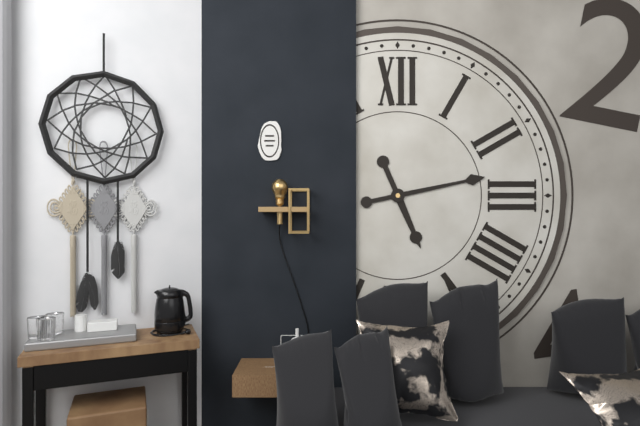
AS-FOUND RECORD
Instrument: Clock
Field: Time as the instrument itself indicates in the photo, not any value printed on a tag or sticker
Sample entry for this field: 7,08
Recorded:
5,13
